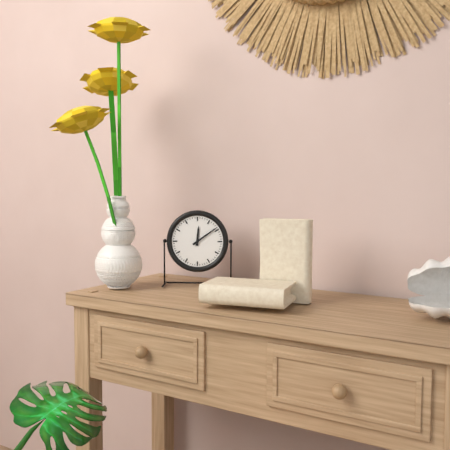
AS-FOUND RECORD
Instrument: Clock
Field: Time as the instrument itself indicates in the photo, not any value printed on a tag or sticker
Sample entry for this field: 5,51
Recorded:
12,09
